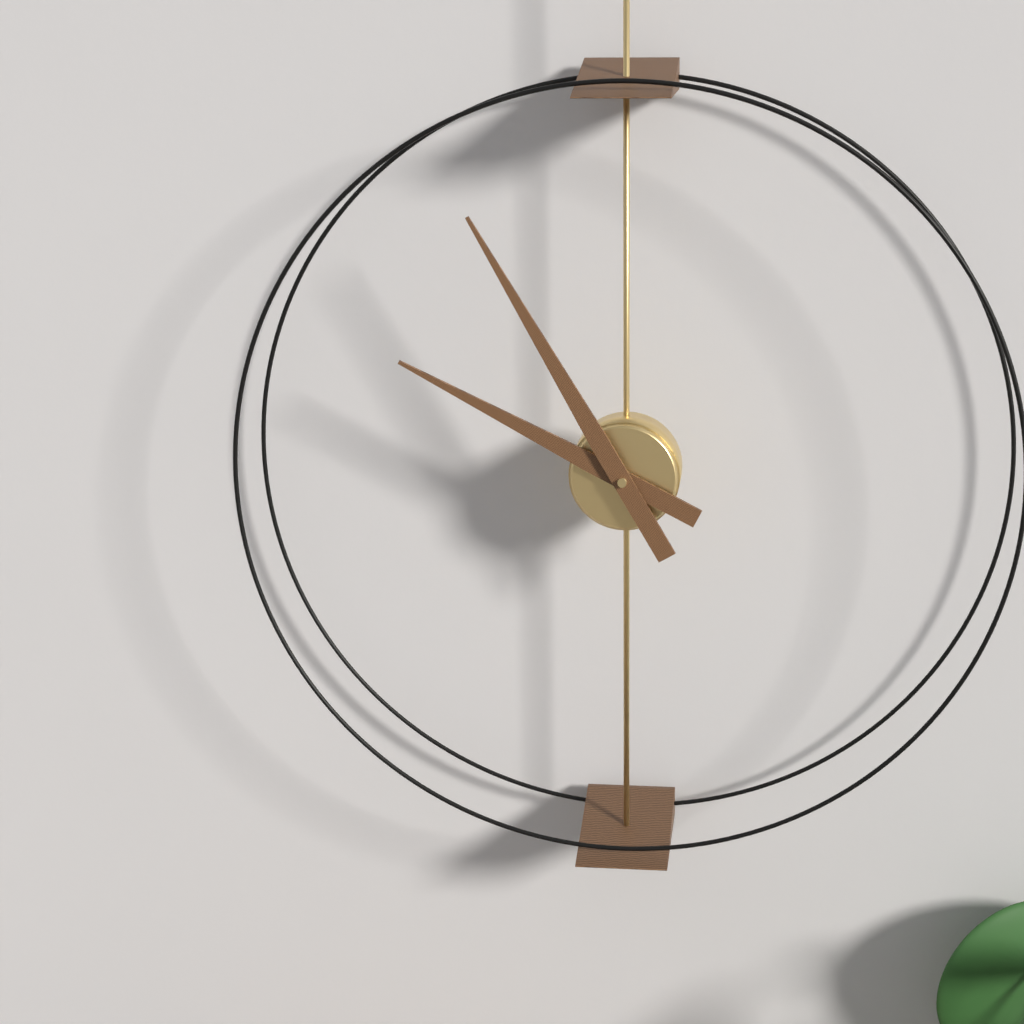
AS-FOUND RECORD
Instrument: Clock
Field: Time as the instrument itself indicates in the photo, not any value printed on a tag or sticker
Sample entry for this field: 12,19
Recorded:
9,55
